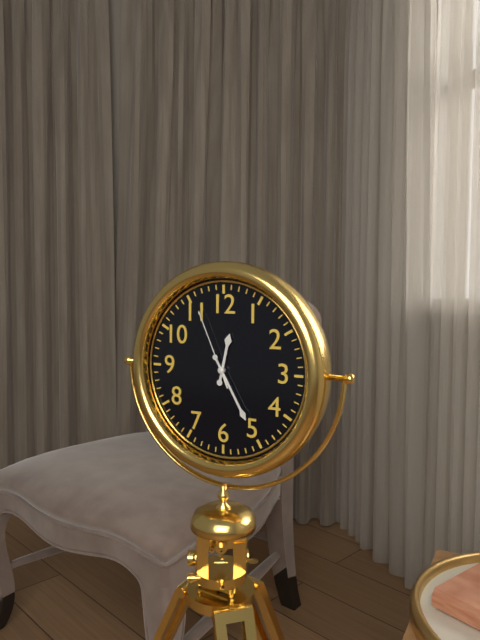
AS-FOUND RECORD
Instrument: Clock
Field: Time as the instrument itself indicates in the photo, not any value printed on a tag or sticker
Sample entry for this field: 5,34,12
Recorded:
12,25,56
